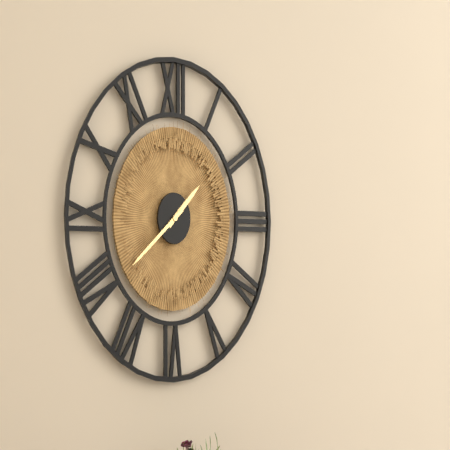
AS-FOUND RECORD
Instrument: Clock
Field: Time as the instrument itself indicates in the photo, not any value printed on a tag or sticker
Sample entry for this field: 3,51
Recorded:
1,39
